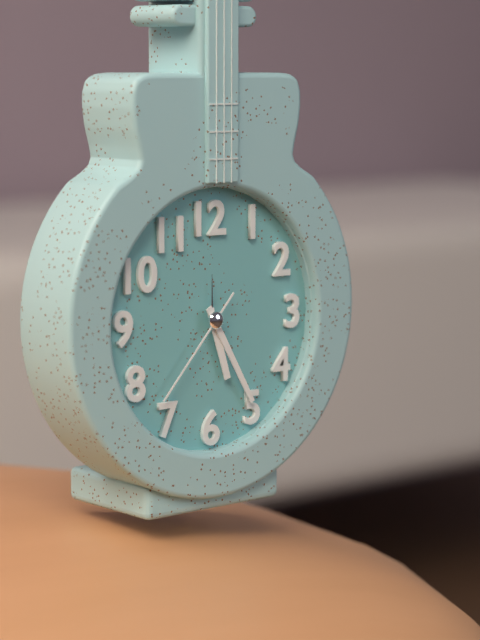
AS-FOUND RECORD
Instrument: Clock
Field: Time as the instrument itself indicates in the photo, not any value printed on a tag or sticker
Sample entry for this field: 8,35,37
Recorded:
5,25,37
